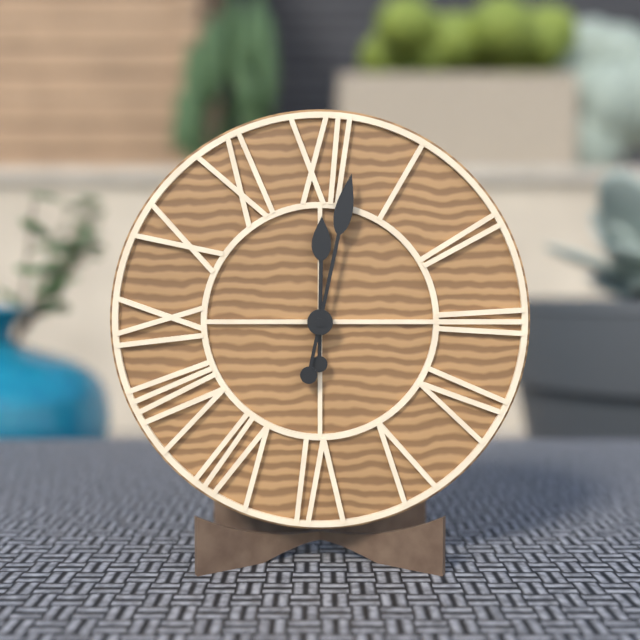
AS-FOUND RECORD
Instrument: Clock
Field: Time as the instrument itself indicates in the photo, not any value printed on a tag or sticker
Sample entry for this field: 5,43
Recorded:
12,02
